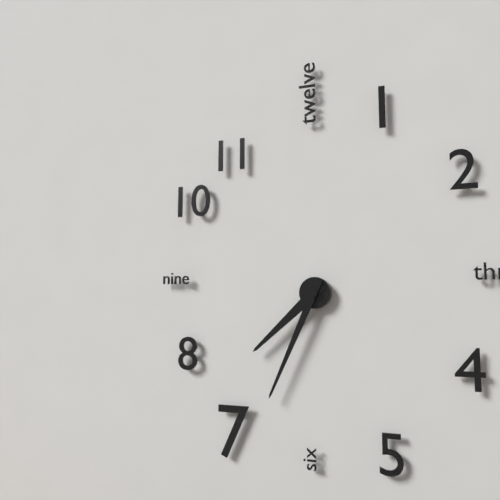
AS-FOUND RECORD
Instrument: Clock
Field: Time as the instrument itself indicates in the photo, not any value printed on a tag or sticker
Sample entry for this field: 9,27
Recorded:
7,34
